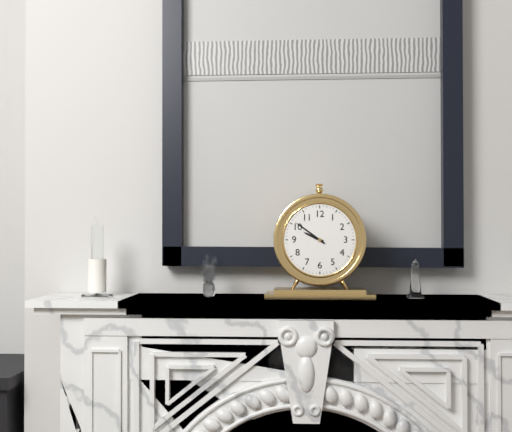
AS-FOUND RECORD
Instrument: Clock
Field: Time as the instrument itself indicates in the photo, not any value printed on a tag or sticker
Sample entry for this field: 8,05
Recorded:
9,51
